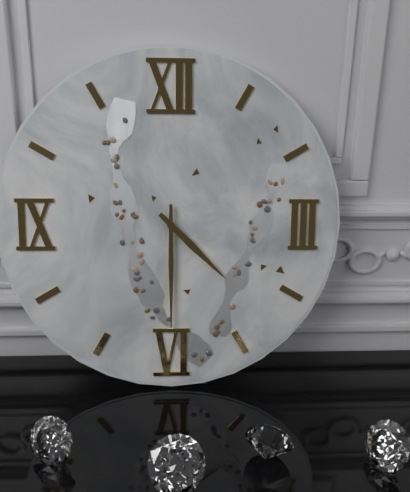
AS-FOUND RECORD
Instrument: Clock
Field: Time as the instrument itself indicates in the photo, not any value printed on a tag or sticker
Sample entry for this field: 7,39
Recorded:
4,30
